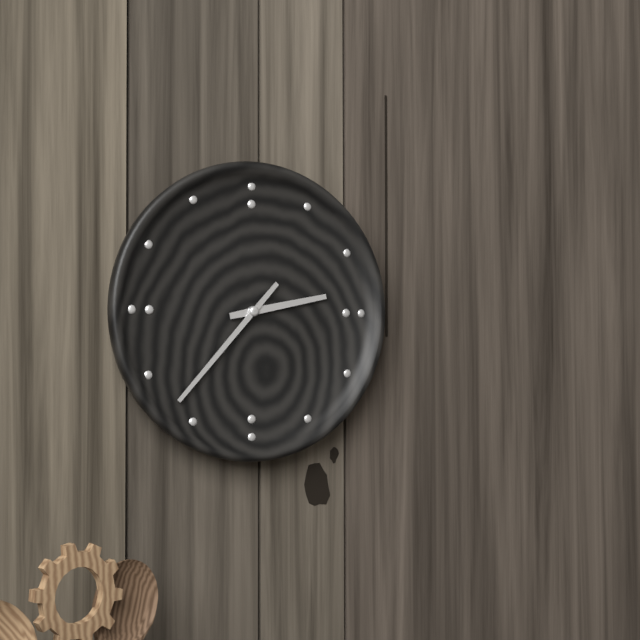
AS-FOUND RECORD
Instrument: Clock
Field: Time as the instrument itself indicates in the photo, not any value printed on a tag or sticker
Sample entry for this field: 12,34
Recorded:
2,37
